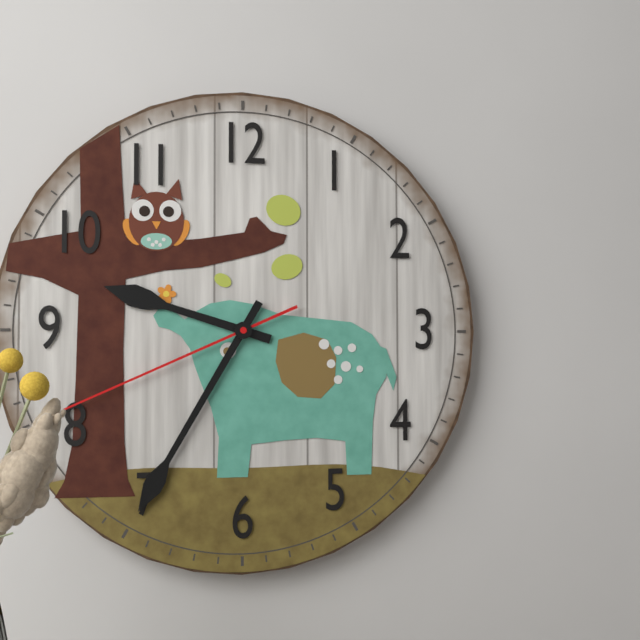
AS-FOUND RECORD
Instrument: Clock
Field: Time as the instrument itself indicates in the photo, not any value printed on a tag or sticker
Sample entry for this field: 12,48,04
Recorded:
9,35,41
